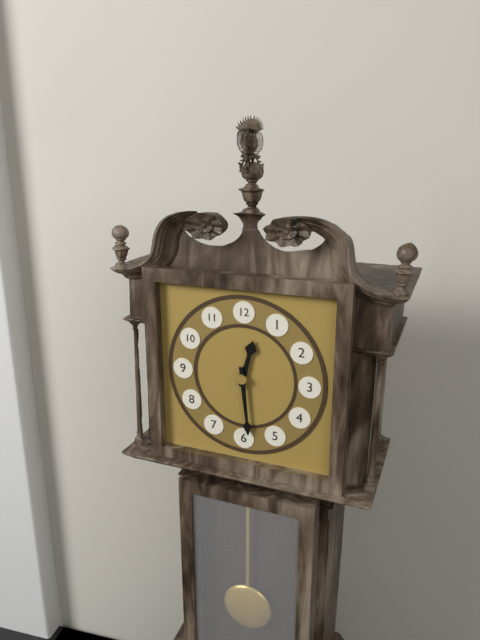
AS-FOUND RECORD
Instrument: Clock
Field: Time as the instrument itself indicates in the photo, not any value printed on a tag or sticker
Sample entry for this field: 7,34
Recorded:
12,29
